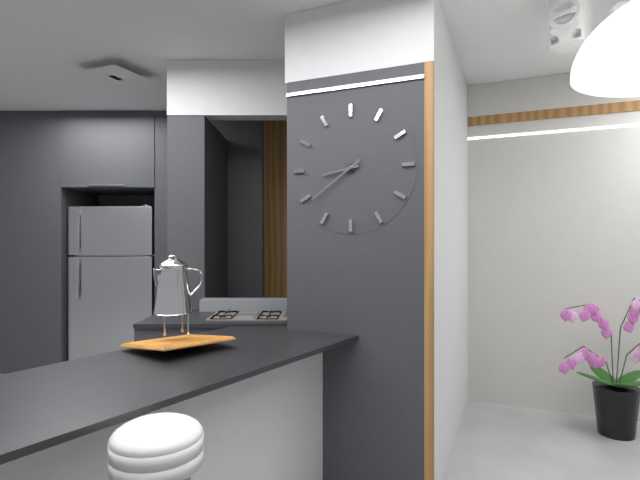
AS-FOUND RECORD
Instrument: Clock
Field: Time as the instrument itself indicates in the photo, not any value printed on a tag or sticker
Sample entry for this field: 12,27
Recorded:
8,39
